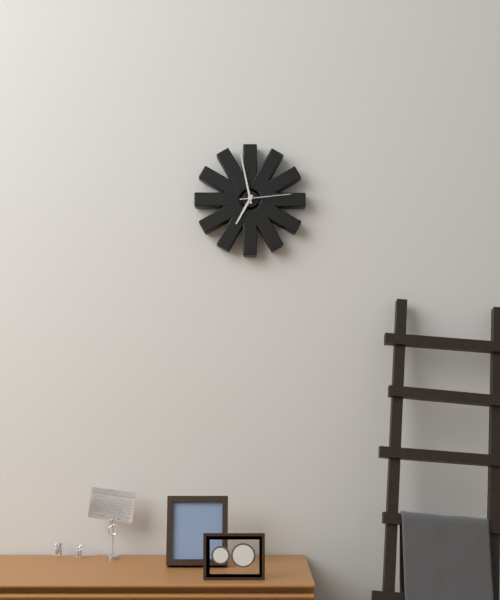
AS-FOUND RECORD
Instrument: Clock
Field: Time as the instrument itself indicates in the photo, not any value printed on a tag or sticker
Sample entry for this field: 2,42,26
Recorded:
6,58,14
